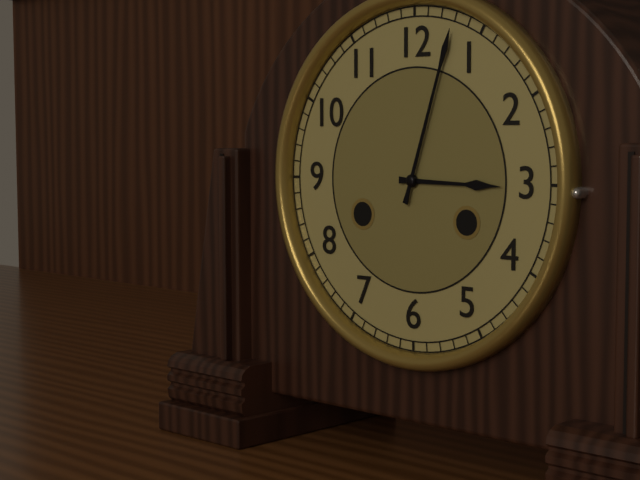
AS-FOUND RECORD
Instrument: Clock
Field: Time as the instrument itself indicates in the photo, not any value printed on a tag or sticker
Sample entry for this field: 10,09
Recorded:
3,03
